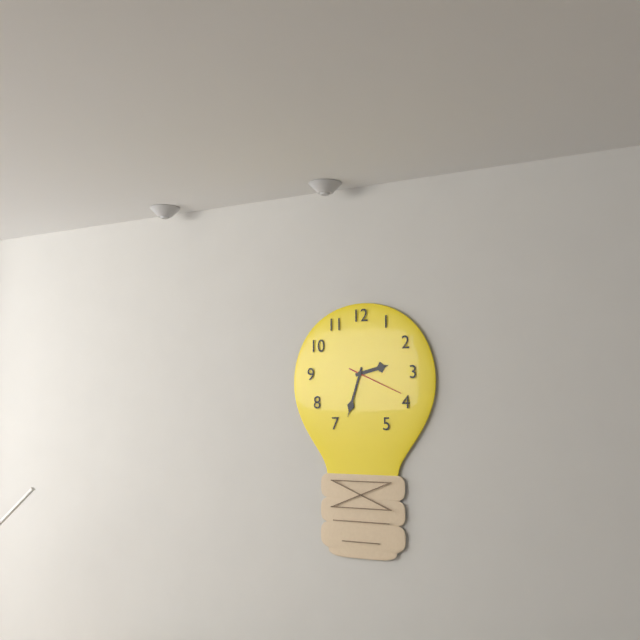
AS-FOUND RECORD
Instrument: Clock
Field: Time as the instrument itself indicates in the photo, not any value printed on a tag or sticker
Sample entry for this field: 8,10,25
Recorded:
2,33,19
